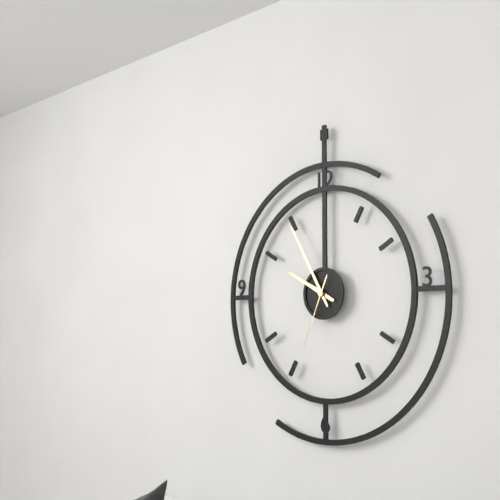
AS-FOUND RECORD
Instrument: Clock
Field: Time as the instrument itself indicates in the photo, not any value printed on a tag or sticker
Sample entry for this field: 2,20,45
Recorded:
9,55,34
